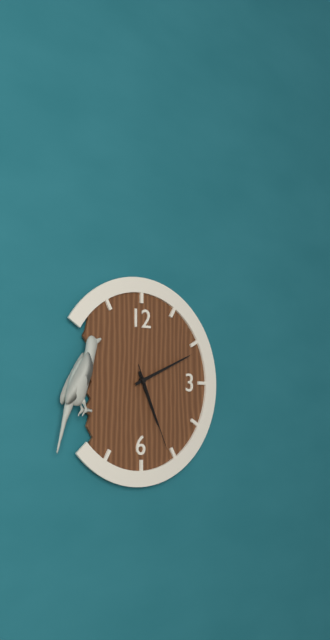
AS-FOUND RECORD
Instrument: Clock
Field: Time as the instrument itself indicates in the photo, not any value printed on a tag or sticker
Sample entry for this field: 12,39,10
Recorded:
5,11,26
